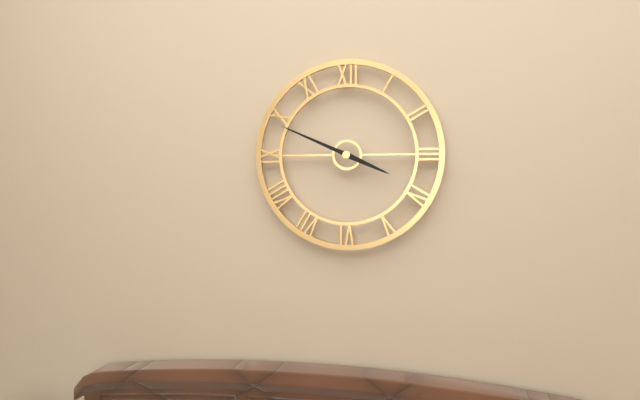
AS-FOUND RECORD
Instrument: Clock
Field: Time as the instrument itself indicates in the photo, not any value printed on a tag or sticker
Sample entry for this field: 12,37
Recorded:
3,49
